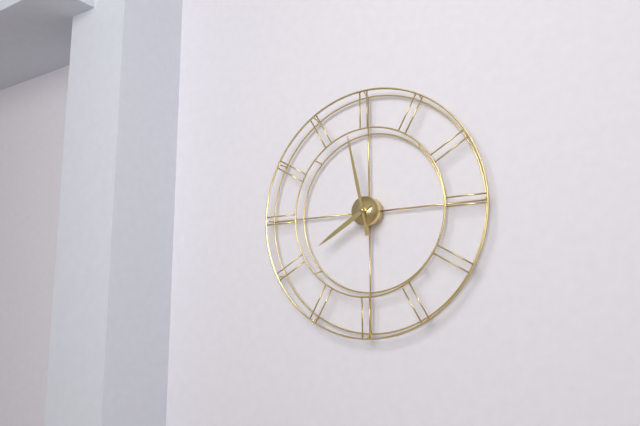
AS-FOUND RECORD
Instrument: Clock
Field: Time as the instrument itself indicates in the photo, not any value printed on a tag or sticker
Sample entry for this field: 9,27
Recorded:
7,58
